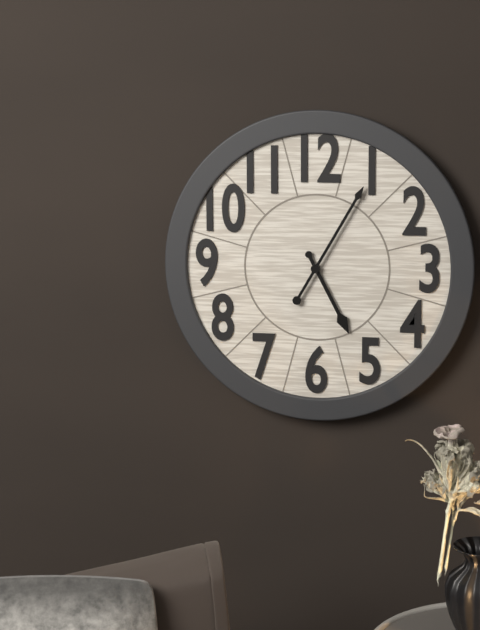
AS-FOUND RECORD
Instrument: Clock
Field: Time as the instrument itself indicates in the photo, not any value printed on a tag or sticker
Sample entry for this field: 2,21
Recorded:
5,05
